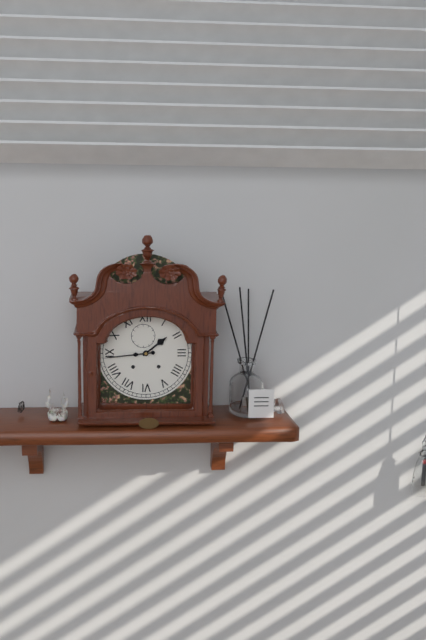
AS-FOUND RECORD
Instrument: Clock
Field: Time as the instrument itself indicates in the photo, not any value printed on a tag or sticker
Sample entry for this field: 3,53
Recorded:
1,44
